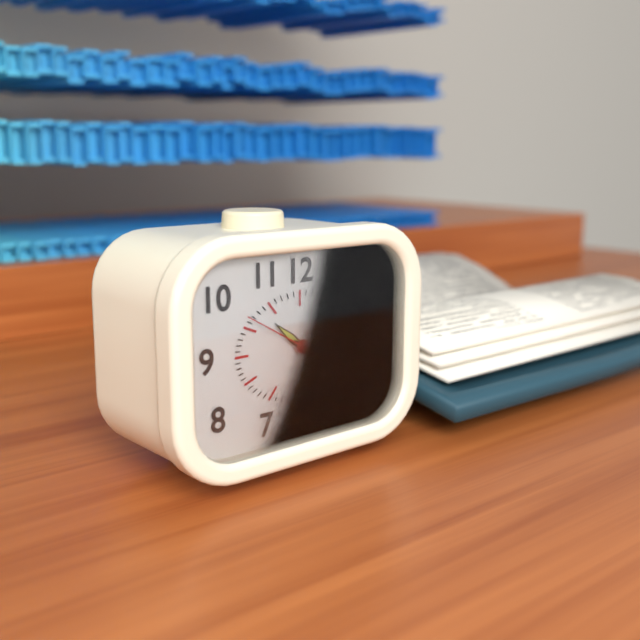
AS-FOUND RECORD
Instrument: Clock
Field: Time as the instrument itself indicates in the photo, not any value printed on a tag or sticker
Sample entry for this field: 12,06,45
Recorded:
10,20,50
